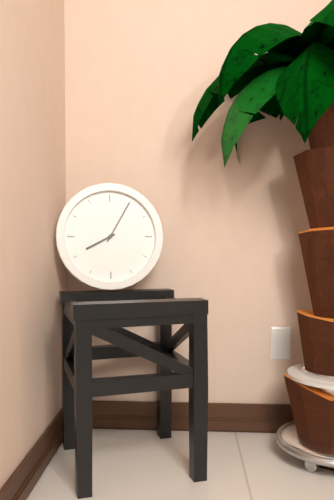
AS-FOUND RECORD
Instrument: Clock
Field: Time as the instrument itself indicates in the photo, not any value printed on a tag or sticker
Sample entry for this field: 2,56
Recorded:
8,05
